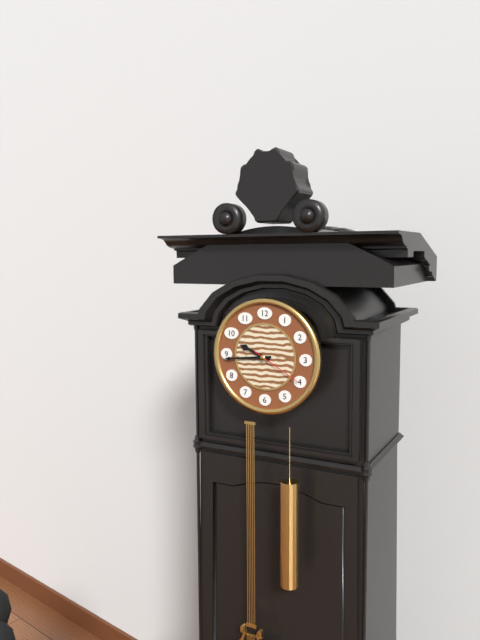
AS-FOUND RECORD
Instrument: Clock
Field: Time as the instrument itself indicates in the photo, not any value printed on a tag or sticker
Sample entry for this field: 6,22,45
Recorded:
9,44,20
